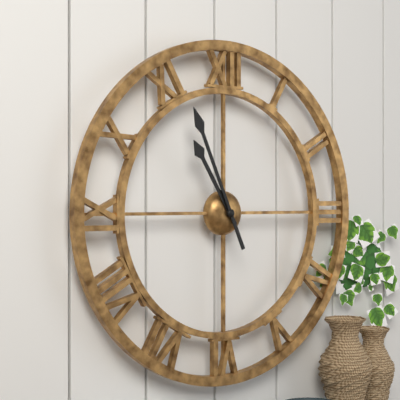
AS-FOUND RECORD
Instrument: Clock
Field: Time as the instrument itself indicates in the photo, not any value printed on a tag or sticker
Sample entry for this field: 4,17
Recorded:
10,56
